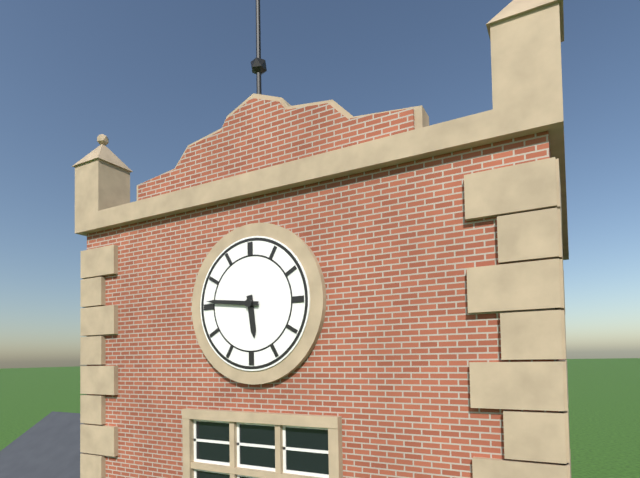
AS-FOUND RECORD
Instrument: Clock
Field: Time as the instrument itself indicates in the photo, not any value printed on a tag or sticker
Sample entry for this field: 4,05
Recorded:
5,46
